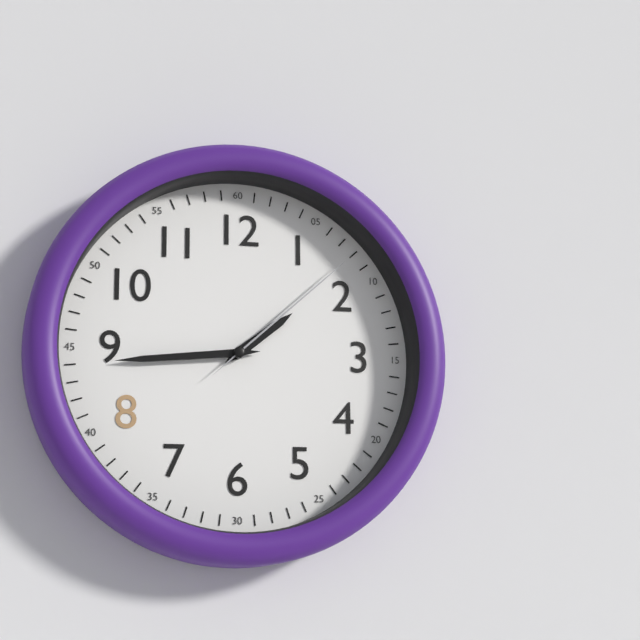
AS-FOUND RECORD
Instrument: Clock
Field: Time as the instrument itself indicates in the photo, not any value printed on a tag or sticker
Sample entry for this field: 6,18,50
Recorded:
1,44,08
